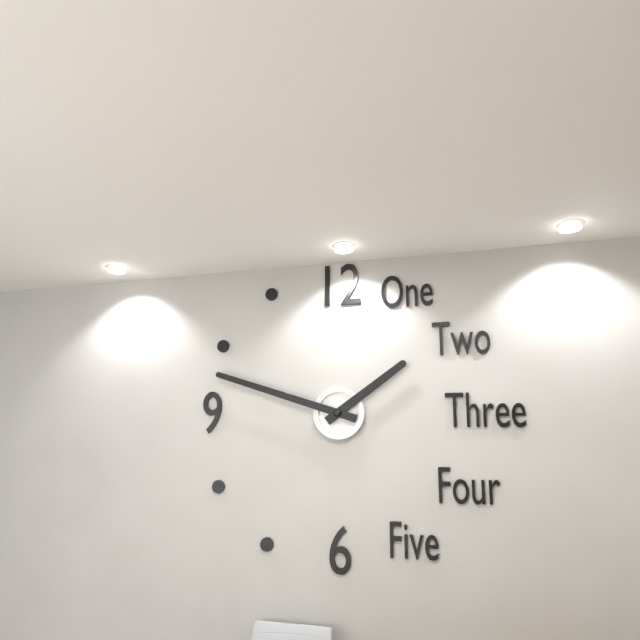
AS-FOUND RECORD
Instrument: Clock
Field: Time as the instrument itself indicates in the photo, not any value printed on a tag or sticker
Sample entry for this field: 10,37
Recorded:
1,48
